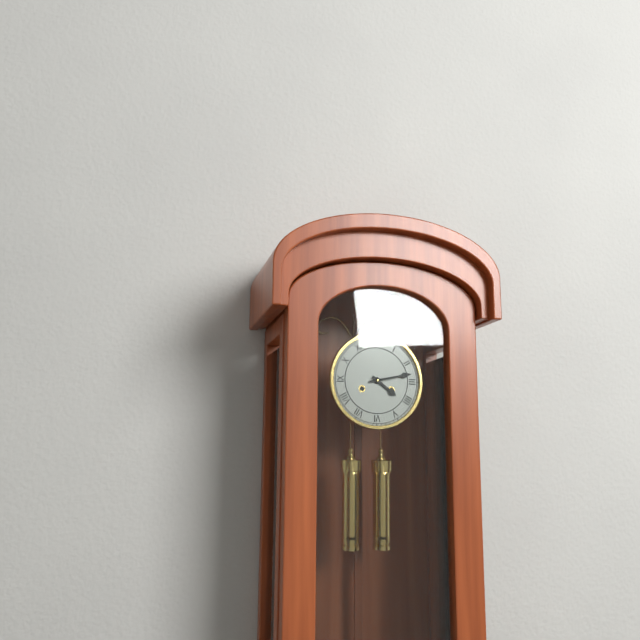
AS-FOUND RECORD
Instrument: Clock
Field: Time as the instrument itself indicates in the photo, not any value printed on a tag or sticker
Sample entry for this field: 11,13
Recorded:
4,13
